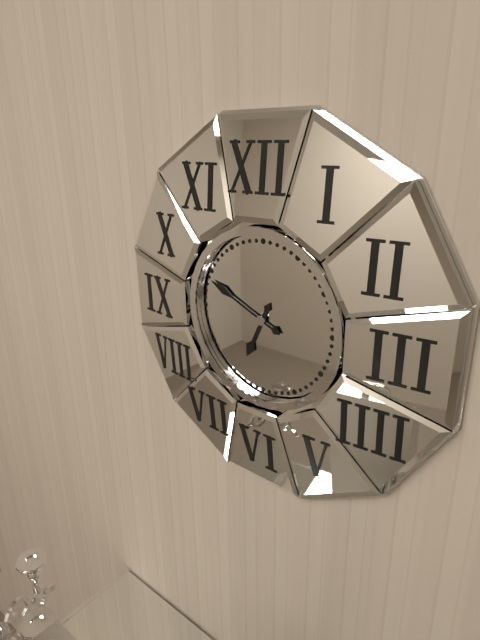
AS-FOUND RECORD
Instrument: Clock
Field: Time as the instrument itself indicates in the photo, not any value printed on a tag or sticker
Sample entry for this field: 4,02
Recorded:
6,49
